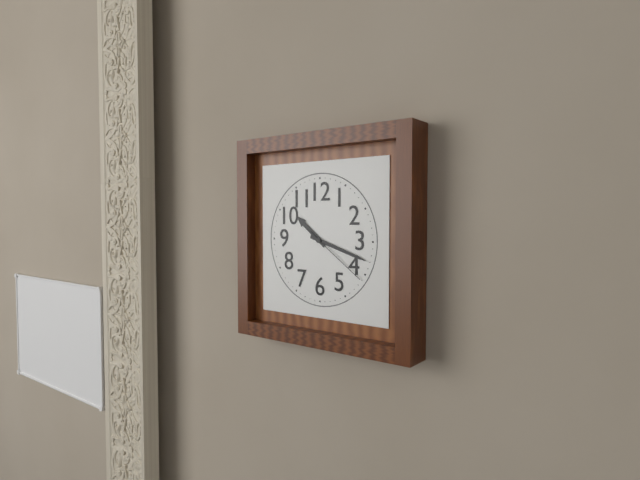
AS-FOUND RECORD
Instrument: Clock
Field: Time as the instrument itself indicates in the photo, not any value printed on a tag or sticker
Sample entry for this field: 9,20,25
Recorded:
10,18,21
